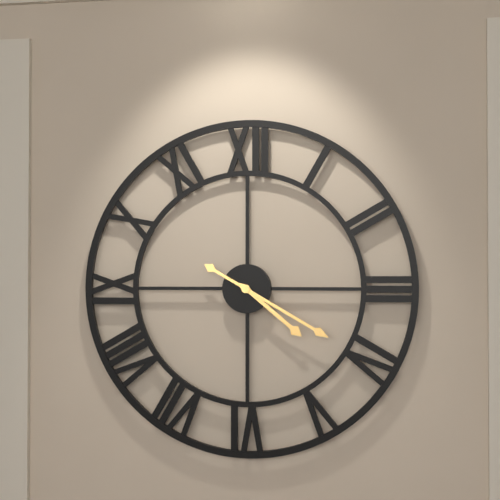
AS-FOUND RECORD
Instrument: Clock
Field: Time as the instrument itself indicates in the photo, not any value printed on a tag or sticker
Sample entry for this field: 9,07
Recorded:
4,20
